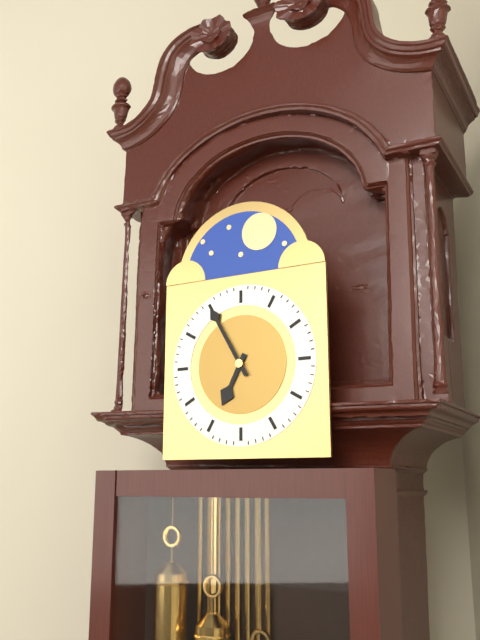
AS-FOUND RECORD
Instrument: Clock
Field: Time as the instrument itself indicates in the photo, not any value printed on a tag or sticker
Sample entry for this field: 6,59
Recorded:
6,55
